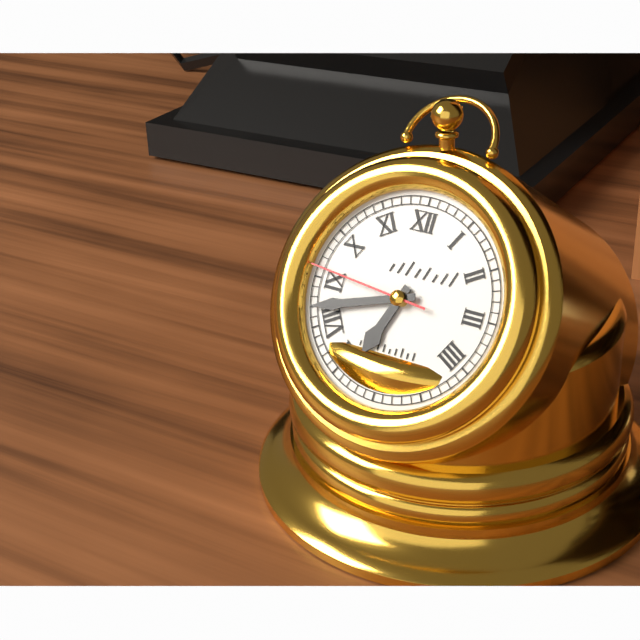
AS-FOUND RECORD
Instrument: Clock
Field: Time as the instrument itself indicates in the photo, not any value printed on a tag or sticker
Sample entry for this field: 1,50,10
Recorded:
6,42,46
